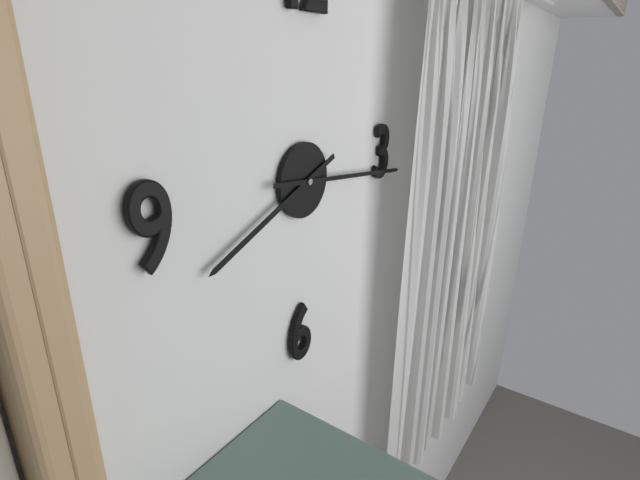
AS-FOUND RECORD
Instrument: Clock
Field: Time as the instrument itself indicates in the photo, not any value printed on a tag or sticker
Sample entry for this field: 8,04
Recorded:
8,16
